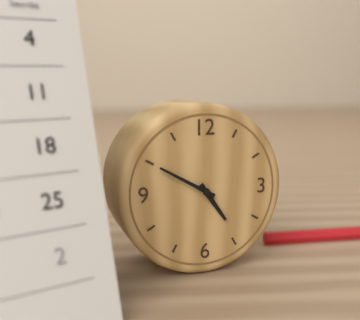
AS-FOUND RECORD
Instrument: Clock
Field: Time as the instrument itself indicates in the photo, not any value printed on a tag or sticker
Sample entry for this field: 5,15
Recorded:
4,50
